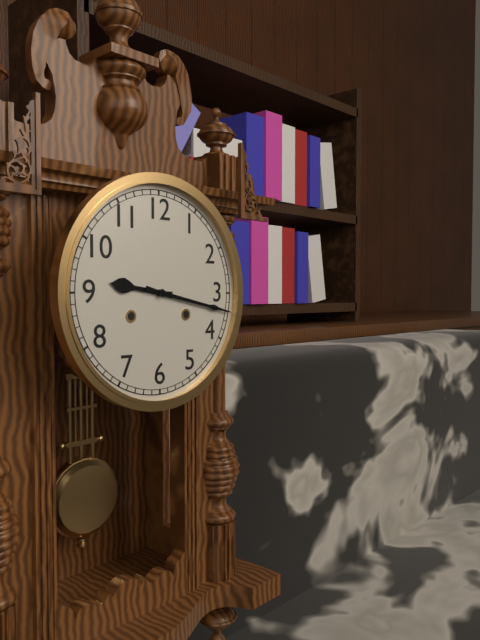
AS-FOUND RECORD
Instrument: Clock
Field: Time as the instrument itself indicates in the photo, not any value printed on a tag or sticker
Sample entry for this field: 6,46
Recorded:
9,17
